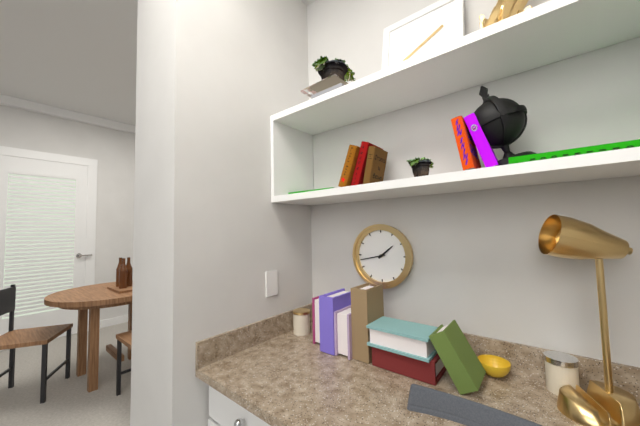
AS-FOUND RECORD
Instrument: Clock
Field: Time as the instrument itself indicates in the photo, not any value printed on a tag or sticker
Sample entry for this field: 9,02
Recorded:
1,43
